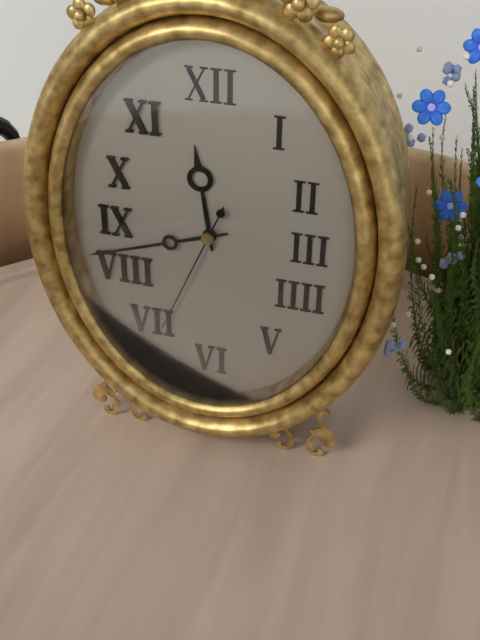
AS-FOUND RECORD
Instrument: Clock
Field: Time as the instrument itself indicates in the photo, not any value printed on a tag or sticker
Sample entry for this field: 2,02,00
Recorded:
11,42,34
